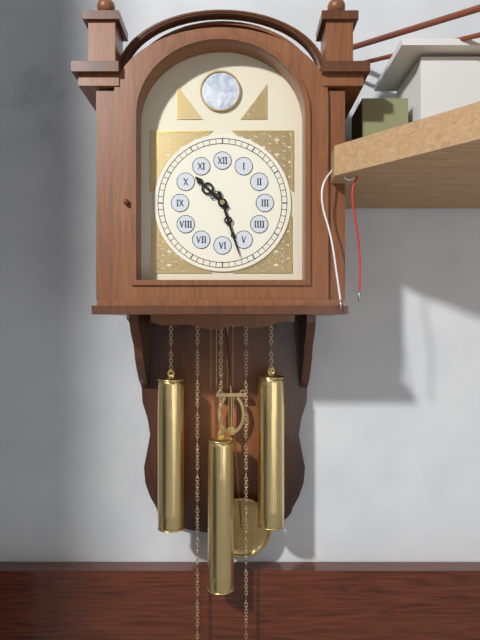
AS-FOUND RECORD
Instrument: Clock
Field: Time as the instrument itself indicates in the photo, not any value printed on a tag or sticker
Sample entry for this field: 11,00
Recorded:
10,27
